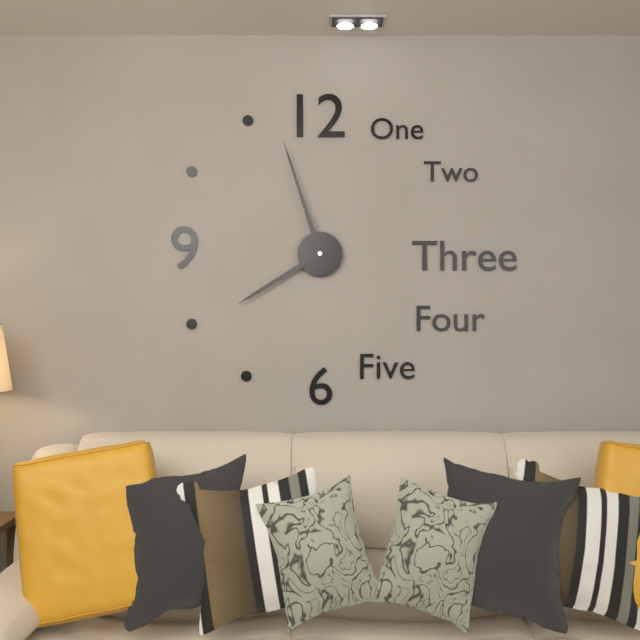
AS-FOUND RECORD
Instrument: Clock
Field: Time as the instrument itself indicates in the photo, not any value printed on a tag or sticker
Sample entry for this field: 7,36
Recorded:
7,57
